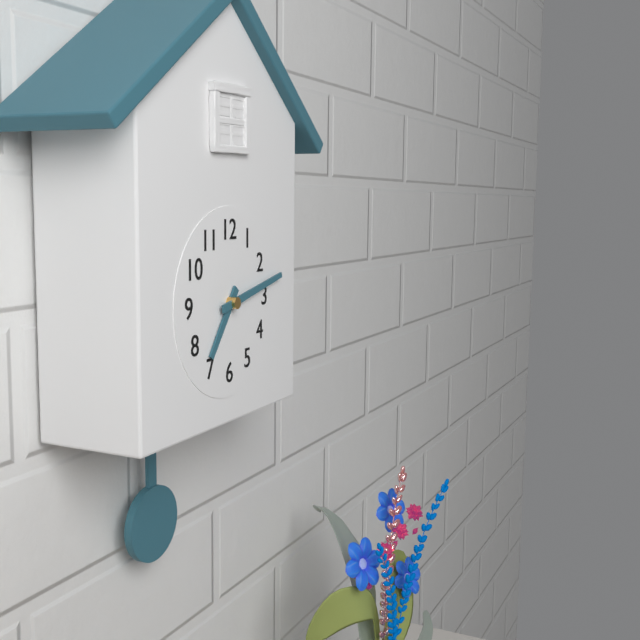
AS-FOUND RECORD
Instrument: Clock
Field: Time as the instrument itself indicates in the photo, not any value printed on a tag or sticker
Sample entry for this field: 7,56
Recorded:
7,13
